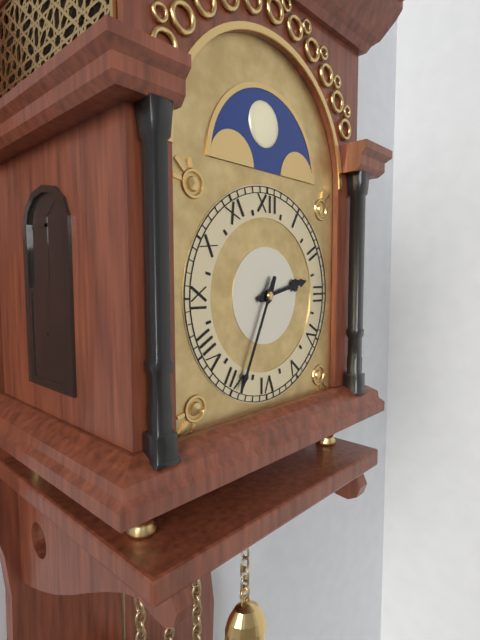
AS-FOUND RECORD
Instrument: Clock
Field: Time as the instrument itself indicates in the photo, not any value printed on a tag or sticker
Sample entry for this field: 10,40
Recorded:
2,34
